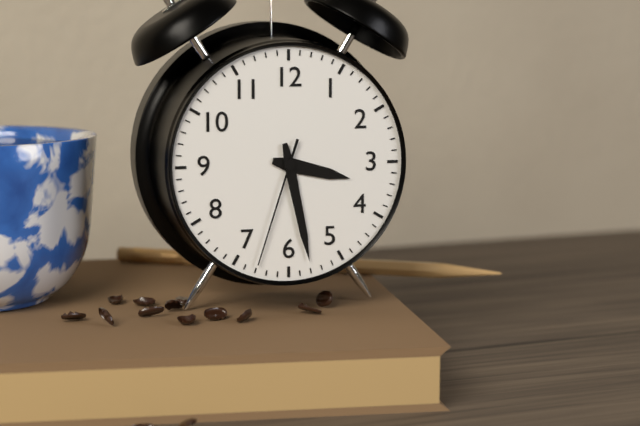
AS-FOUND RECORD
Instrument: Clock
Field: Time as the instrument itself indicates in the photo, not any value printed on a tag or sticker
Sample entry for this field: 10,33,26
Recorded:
3,28,33
